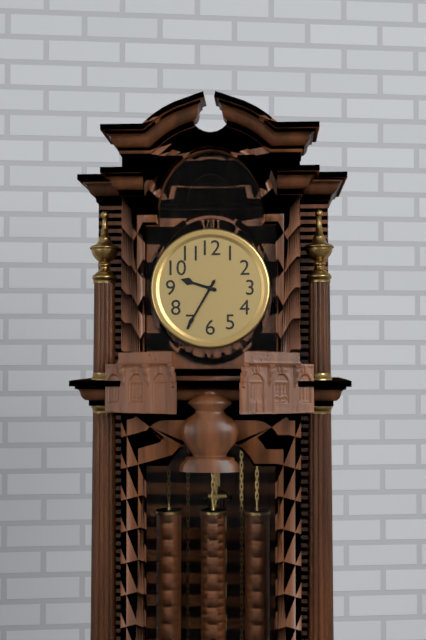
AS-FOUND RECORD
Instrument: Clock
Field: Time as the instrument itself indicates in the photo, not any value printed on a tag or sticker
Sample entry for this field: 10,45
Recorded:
9,35
